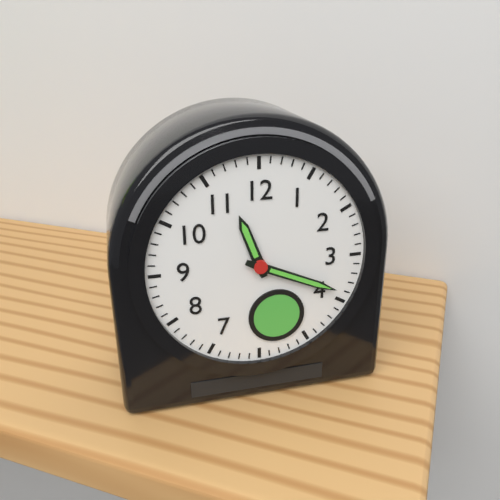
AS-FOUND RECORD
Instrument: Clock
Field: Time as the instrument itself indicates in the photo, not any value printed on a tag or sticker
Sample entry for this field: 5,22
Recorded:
11,19
